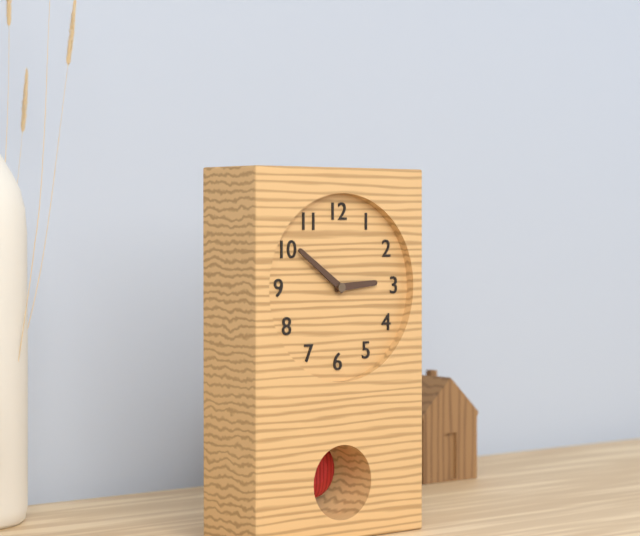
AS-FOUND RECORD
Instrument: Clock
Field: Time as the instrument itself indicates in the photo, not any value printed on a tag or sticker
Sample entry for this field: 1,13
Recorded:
2,51
